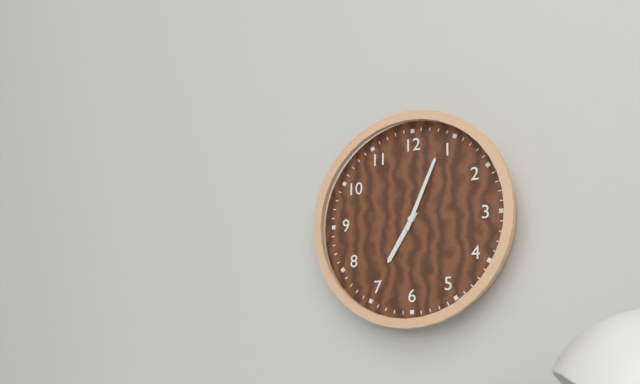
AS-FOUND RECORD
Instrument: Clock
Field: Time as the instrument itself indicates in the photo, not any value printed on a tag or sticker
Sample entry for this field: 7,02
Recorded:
7,04
